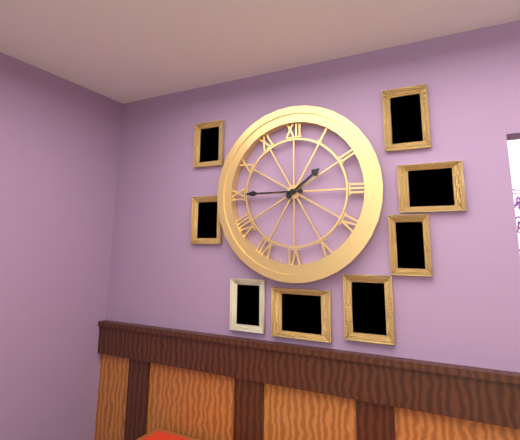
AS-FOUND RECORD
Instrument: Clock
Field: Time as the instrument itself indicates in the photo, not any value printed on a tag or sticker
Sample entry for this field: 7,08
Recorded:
1,45
